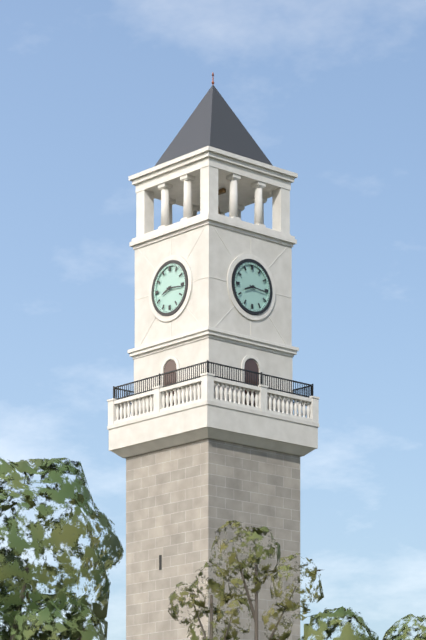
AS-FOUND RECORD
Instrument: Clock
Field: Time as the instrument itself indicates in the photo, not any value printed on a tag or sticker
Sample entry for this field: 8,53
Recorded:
8,16
